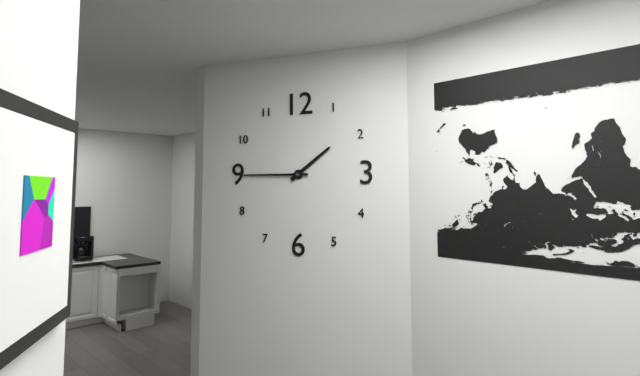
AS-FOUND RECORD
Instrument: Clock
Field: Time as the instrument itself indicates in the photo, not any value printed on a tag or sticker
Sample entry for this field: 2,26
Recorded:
1,45
